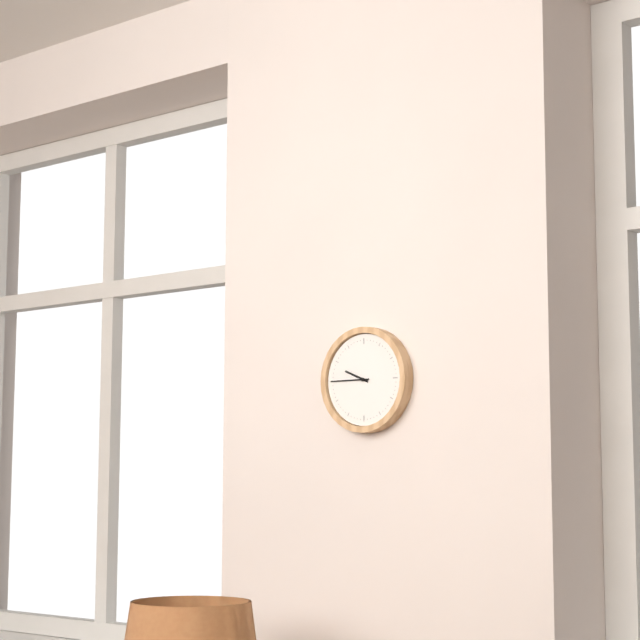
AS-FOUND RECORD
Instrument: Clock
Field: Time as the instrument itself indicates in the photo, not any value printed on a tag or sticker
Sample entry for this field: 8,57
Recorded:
9,45
